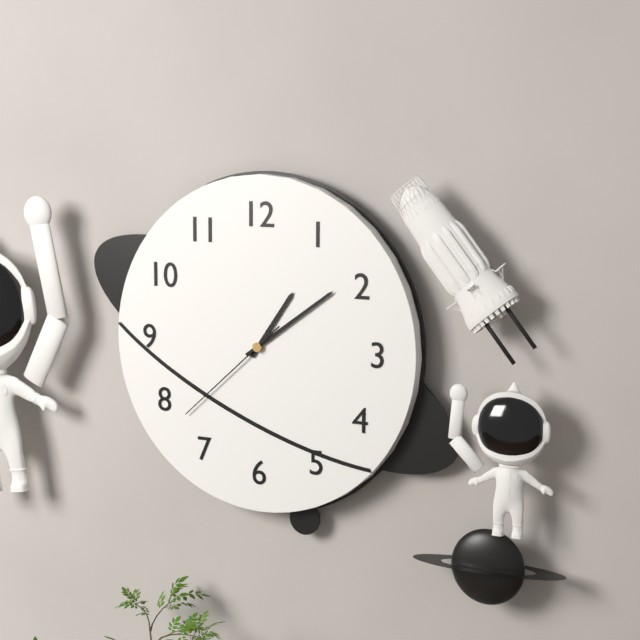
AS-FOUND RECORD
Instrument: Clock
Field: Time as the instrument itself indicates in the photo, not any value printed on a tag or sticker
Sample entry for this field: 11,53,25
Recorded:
1,09,38
